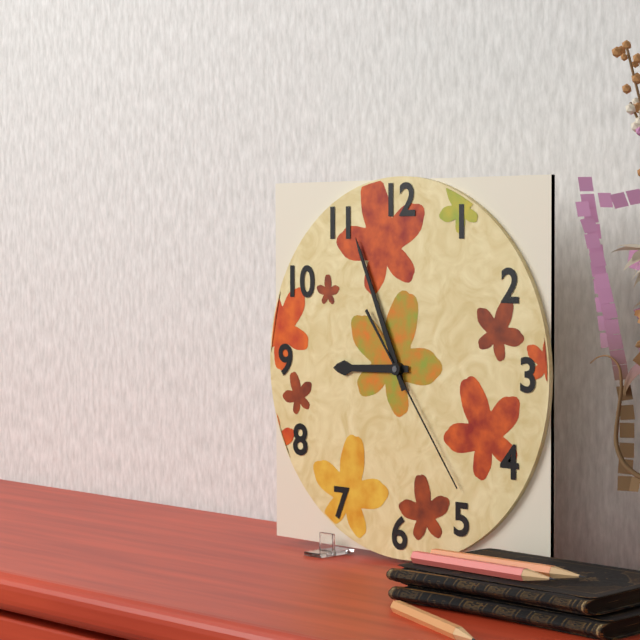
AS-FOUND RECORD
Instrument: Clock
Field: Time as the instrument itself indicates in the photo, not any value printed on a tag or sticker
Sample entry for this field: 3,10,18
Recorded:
8,56,24
